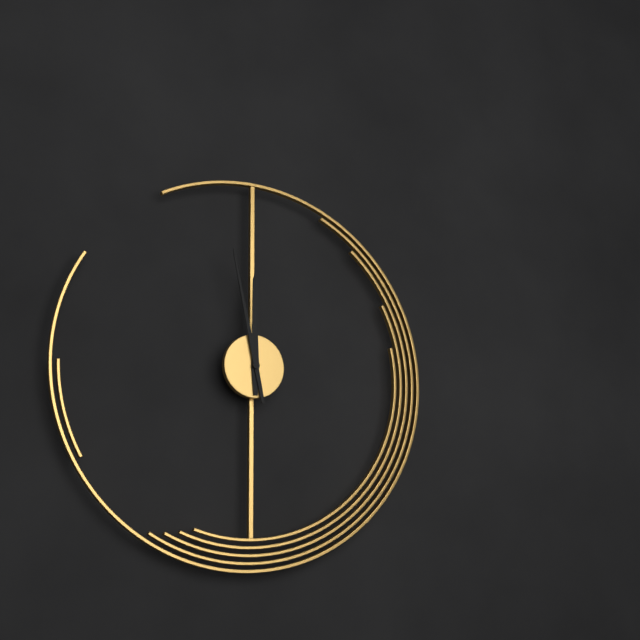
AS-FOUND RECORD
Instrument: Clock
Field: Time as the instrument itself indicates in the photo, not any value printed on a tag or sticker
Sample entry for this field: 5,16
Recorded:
11,58
